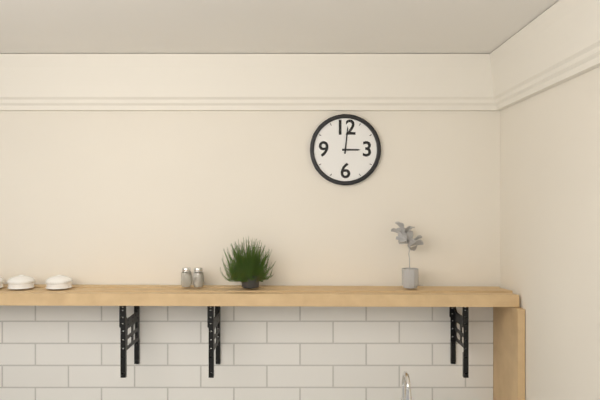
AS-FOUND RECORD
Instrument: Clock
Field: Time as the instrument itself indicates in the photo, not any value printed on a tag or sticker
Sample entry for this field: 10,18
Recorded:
3,01
